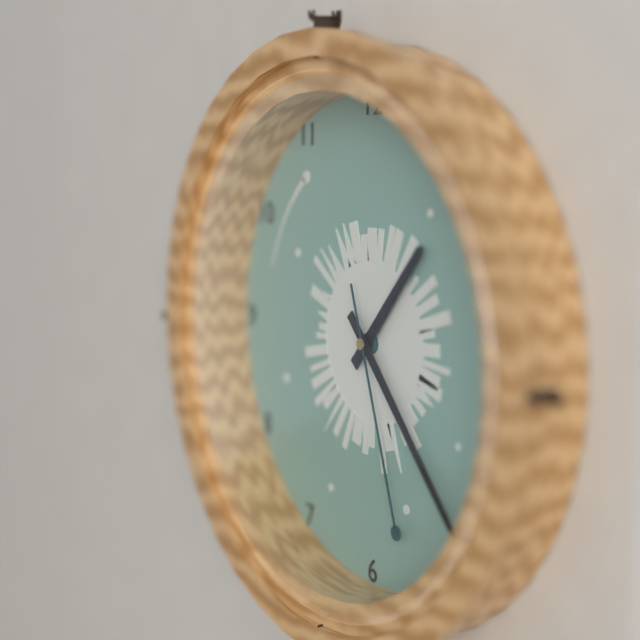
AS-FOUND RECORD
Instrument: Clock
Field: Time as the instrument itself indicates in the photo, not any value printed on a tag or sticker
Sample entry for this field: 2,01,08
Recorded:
1,23,27
